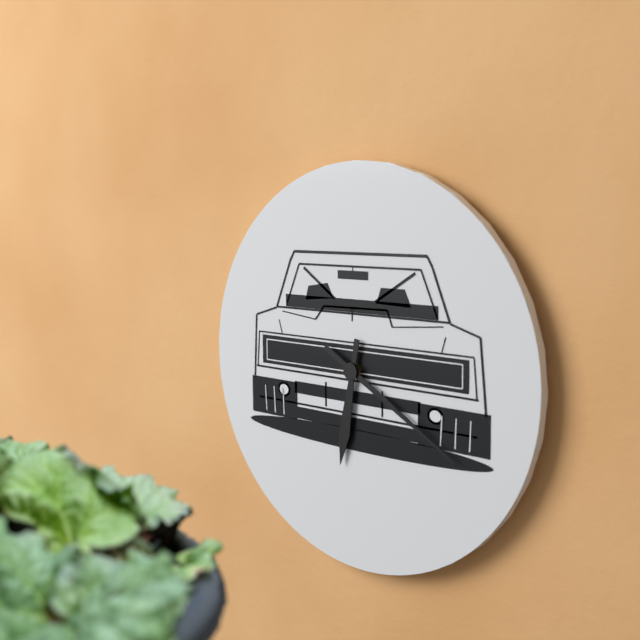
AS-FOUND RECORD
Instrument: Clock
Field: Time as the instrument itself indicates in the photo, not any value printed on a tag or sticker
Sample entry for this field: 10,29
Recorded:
6,20
